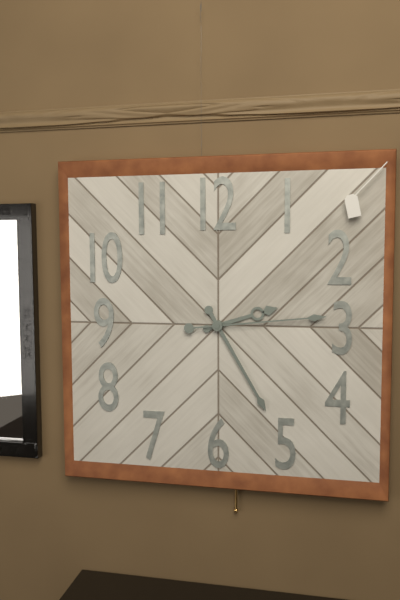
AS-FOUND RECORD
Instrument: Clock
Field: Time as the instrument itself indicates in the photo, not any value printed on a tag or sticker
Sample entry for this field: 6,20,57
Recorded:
2,25,14
